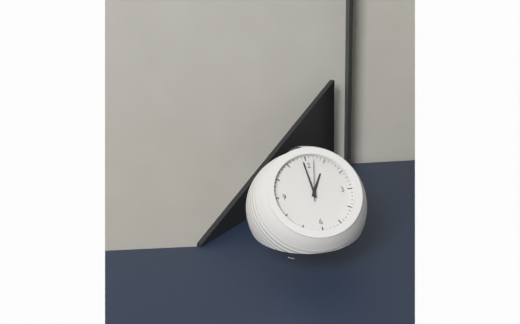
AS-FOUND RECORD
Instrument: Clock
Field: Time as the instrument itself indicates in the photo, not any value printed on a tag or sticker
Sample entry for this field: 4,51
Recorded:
12,59
